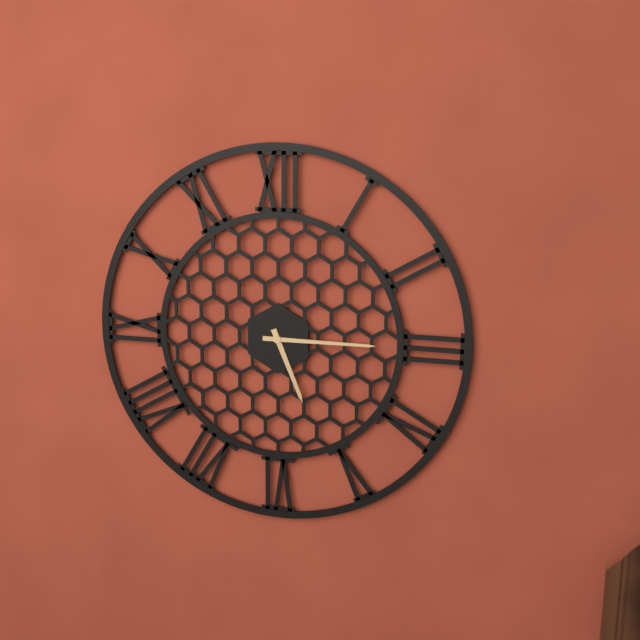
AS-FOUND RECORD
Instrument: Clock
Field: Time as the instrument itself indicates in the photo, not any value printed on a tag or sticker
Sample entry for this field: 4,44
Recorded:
5,15
